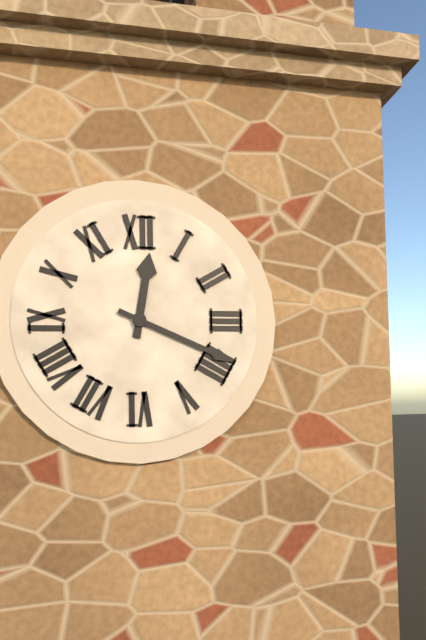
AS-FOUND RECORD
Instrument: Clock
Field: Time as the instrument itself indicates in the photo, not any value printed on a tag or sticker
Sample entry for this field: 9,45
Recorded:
12,19
